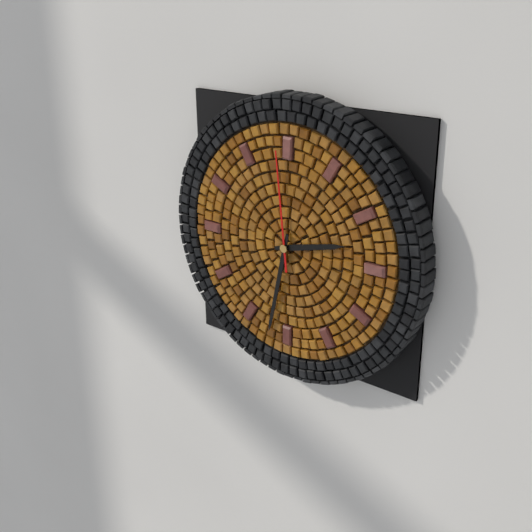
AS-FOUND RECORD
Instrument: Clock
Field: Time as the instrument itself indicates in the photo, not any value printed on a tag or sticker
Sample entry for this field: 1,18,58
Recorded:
2,32,59
